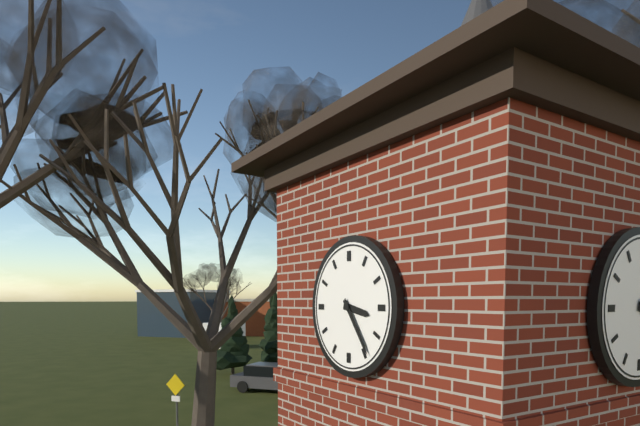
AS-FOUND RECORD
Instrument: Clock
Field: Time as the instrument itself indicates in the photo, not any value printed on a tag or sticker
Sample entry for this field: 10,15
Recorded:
3,24
